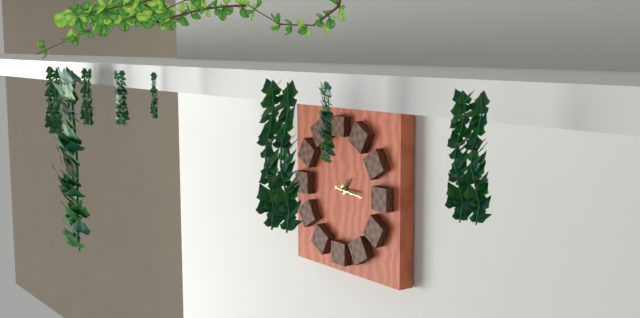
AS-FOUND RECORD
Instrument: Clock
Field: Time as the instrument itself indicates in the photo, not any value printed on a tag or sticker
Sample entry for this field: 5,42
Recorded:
1,15
